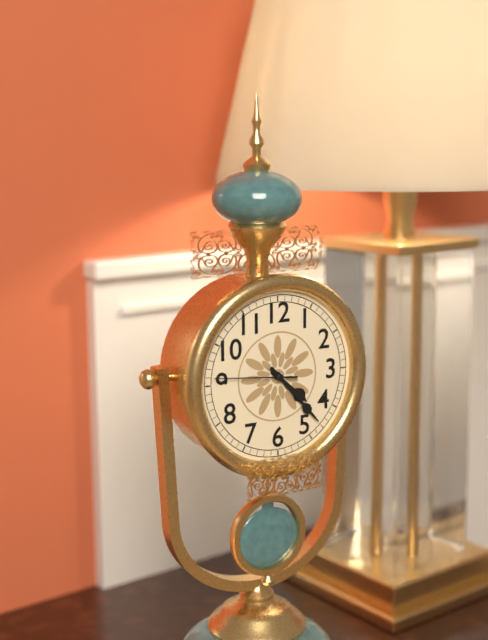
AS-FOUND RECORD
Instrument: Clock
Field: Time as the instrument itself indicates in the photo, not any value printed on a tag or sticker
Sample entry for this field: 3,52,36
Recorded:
4,23,46
